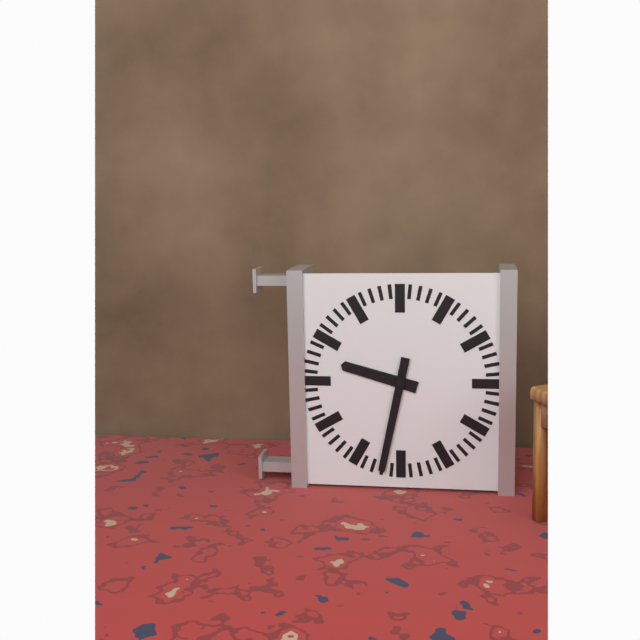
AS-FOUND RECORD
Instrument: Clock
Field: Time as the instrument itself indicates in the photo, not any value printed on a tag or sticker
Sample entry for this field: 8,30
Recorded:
9,32
